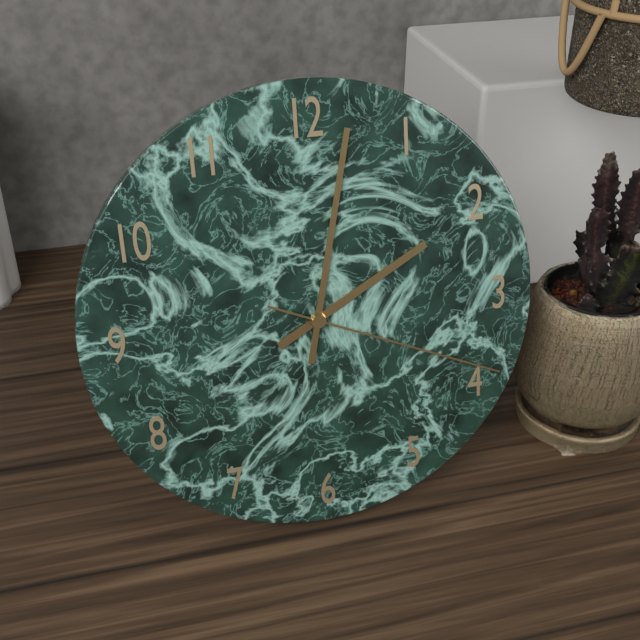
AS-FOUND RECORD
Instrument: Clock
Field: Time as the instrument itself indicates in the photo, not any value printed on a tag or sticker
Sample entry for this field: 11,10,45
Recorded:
2,02,19
